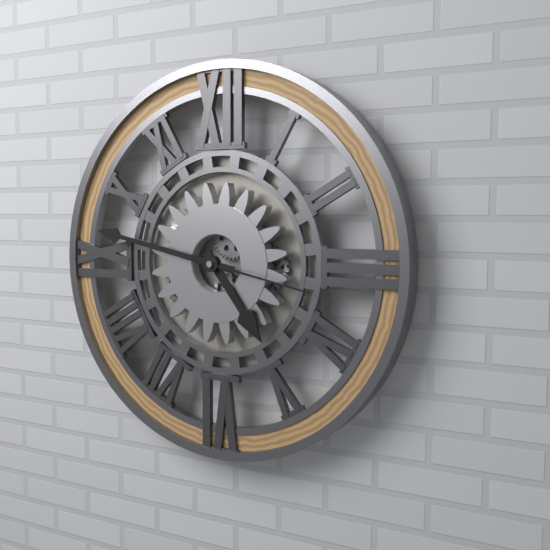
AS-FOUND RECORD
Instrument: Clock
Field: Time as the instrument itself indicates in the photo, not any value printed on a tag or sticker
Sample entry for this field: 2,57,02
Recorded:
4,47,17
